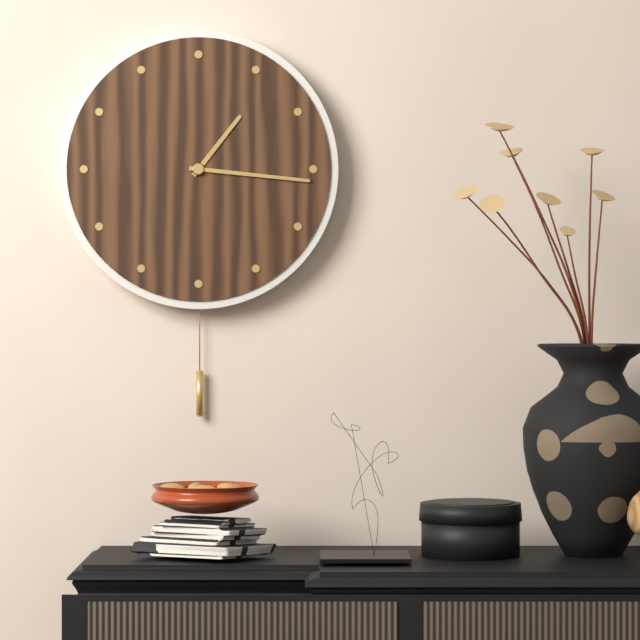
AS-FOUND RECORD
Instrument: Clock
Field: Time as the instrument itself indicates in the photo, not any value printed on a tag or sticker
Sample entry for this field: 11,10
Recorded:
1,16
